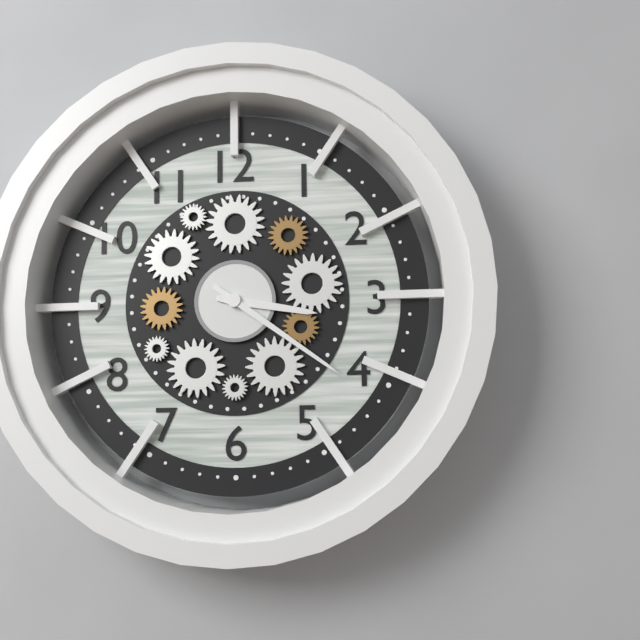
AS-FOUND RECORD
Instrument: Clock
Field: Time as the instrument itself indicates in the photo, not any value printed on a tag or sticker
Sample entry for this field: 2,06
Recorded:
3,21
